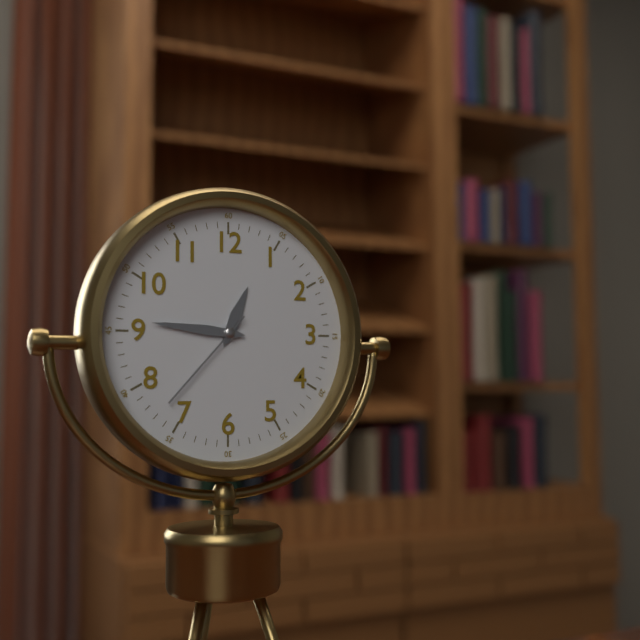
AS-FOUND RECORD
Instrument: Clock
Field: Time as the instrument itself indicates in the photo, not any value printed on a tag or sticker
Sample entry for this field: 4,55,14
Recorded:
12,46,37
